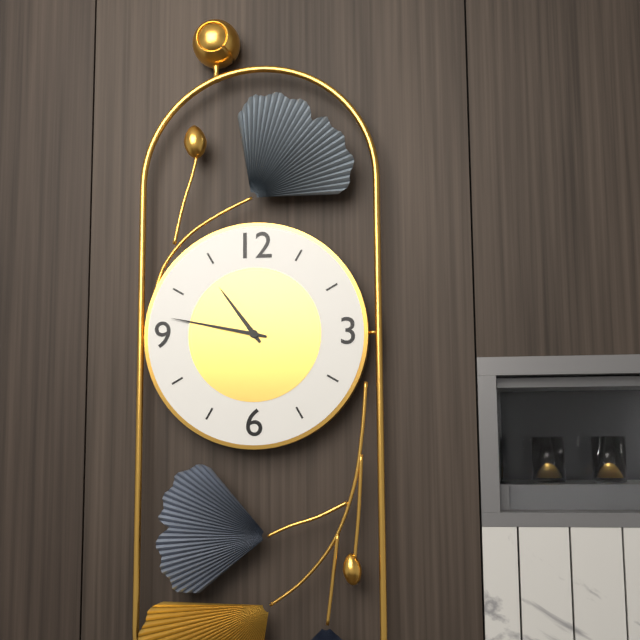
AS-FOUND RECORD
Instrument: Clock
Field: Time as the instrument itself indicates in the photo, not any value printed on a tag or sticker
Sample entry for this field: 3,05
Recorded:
10,47
